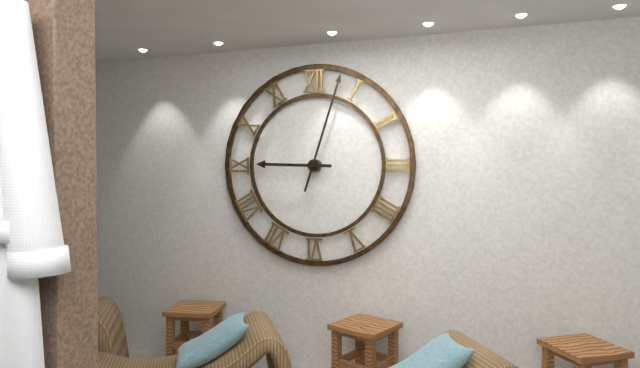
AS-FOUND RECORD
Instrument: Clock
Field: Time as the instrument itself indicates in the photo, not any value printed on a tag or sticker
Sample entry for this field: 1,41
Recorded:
9,03
